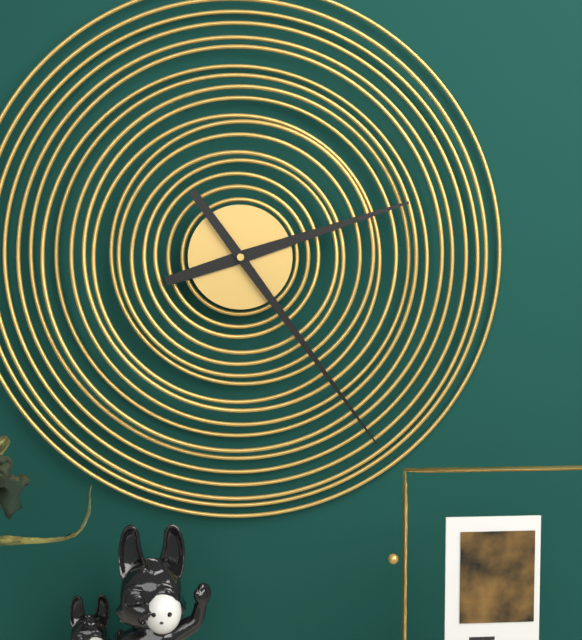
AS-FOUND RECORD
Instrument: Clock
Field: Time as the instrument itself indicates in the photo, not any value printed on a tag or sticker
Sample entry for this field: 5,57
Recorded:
2,24
